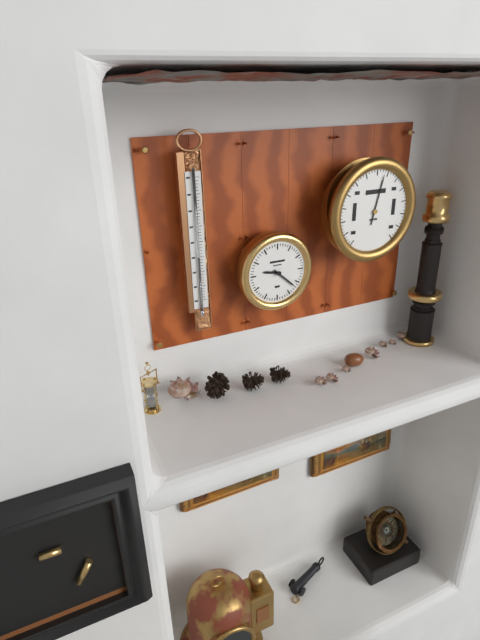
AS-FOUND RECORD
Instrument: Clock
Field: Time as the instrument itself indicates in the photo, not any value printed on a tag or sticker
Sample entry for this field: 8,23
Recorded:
9,22
